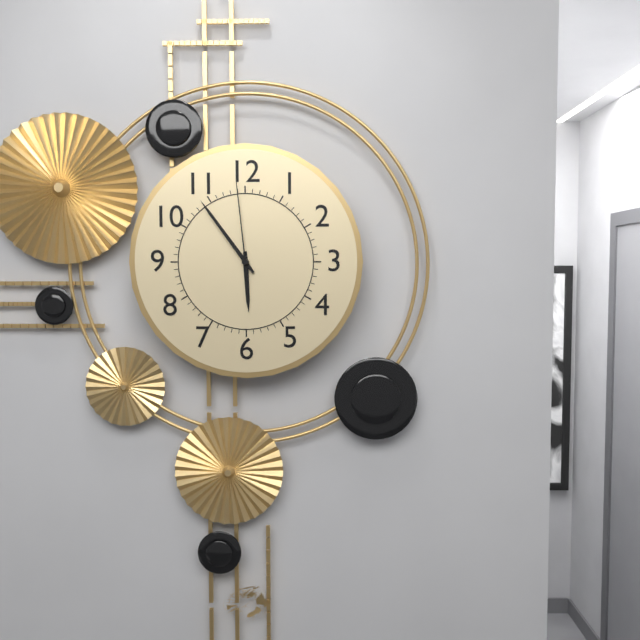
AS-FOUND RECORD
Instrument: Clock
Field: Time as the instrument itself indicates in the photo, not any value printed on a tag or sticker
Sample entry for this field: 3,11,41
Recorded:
5,54,59
